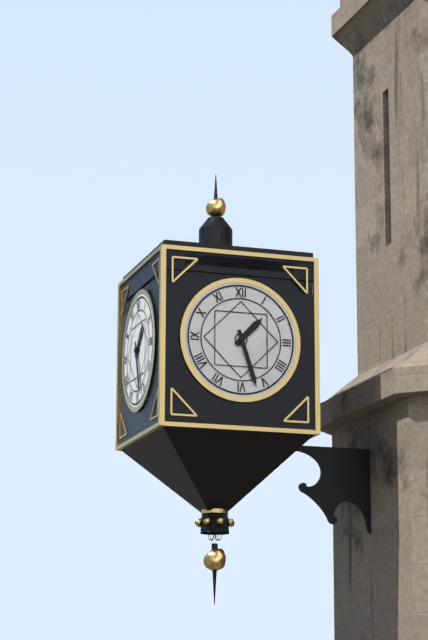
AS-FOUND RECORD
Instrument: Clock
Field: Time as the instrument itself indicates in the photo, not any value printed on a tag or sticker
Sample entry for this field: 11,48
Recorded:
1,27
